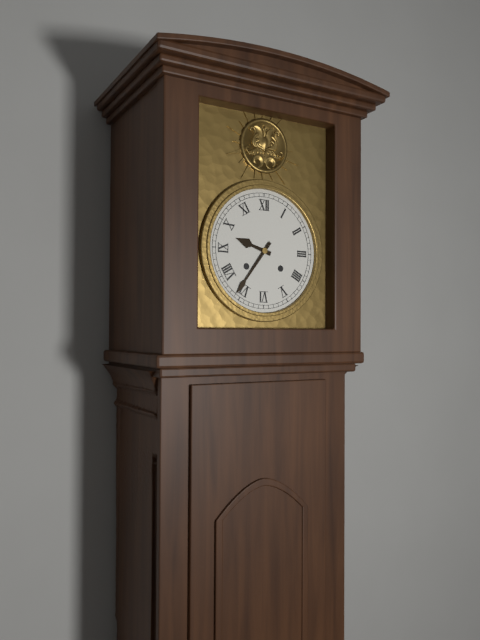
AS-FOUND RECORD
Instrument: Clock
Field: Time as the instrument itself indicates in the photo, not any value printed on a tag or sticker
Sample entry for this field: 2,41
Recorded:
9,36
